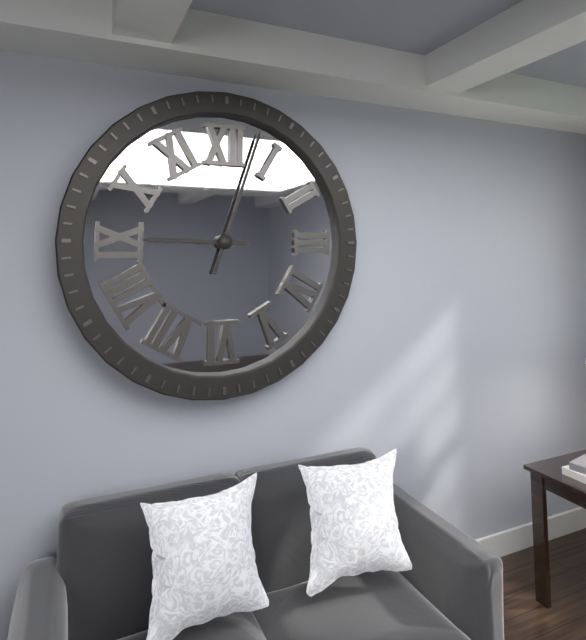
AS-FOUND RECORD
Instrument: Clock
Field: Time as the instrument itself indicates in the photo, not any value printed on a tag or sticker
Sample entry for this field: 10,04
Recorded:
9,03
